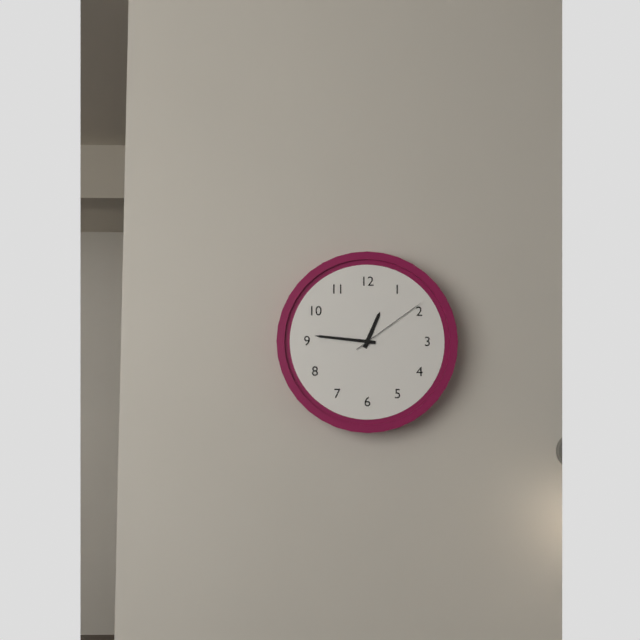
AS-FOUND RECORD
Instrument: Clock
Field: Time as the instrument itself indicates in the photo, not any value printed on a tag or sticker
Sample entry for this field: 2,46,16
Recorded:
12,46,09
